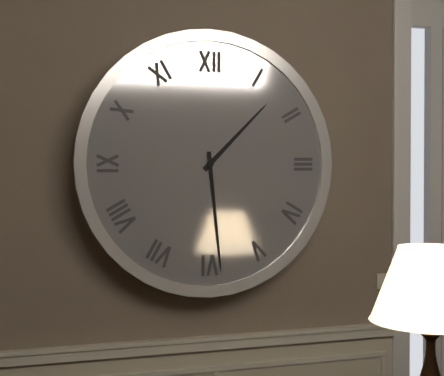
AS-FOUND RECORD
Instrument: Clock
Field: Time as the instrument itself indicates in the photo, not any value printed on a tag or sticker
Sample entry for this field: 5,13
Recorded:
1,29
